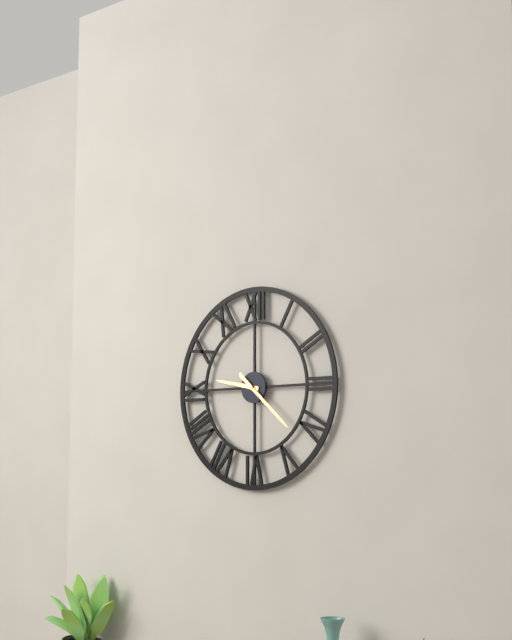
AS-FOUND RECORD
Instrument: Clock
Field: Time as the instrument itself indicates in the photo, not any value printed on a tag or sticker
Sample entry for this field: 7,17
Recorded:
9,22
